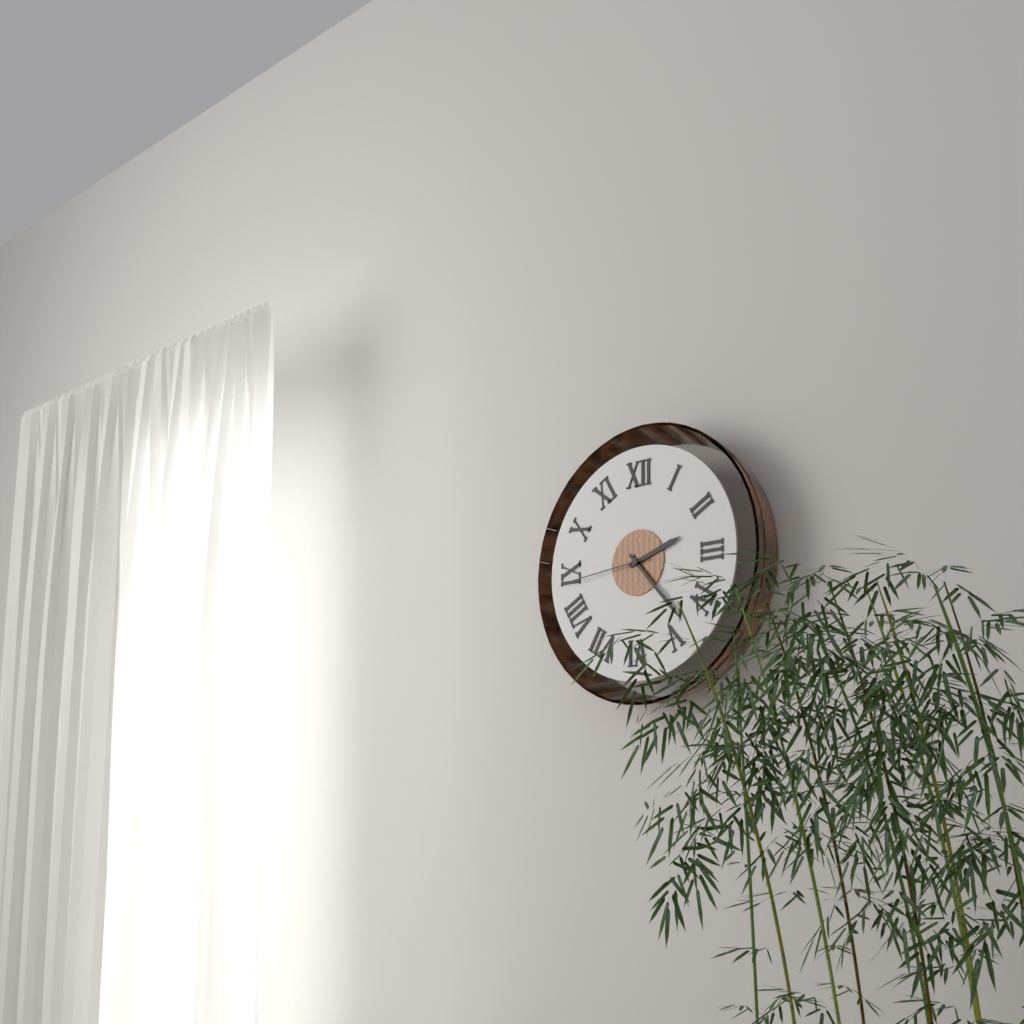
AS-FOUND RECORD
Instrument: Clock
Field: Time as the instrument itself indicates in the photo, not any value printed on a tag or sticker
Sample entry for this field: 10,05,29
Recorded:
2,23,44
